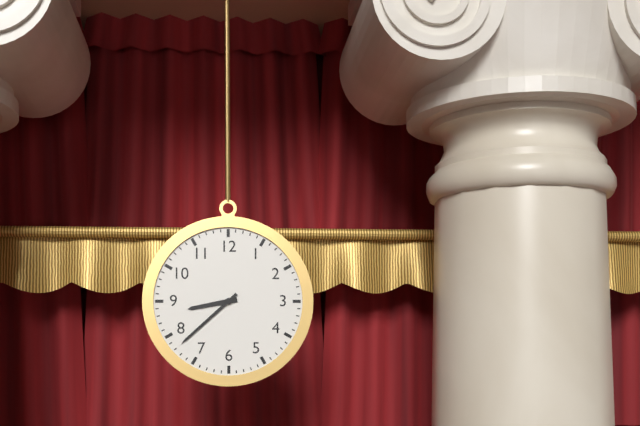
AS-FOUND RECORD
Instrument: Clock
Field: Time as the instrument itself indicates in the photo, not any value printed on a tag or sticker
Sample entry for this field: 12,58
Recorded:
8,38
